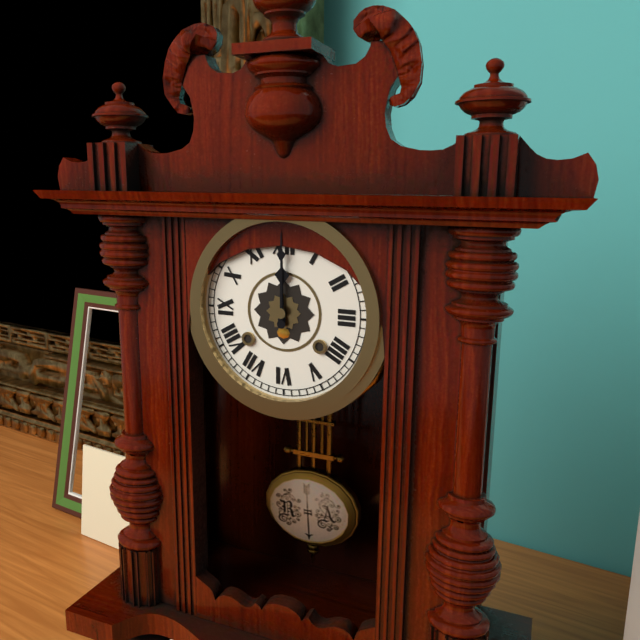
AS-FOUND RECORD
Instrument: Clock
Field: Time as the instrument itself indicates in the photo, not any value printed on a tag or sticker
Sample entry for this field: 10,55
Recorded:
12,00
